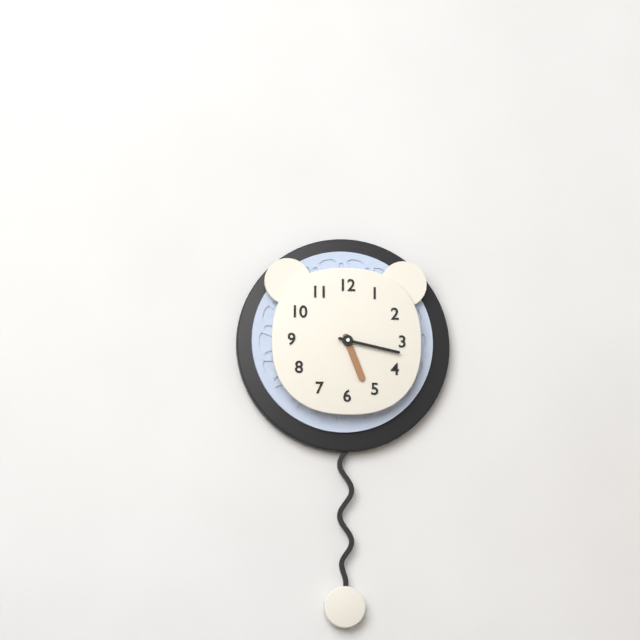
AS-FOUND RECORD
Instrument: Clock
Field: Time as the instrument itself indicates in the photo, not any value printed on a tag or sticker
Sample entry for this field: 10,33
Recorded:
5,17
